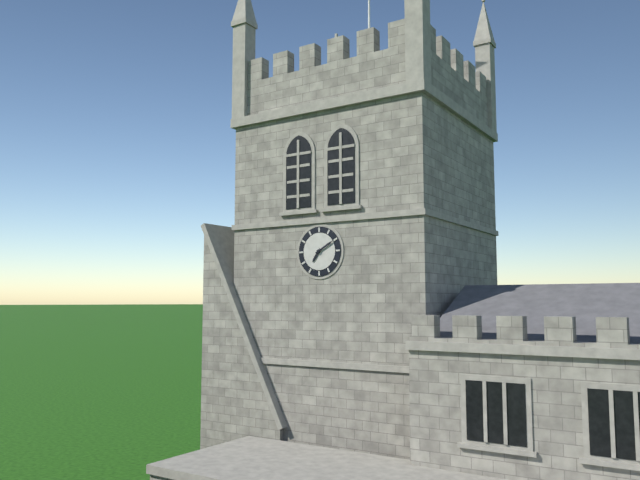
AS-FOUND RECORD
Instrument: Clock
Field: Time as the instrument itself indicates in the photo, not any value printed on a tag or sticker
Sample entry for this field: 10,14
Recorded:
7,10
